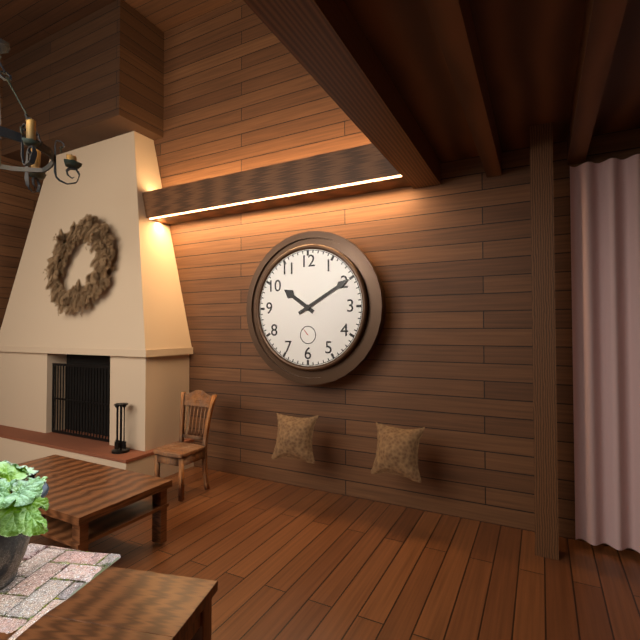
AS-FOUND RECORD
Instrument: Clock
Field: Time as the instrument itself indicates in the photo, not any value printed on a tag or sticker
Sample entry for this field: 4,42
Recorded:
10,10
